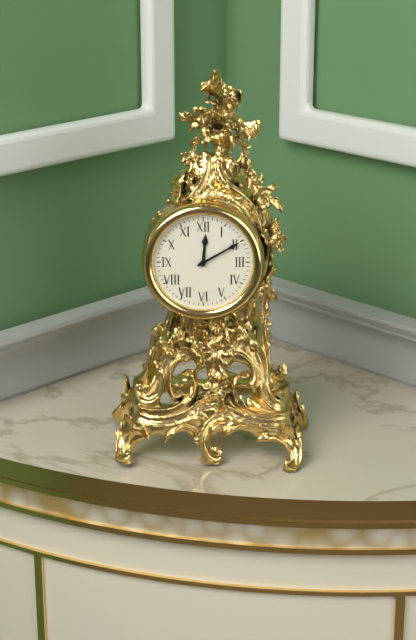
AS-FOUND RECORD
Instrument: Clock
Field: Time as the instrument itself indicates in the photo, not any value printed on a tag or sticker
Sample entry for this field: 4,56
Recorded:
12,10
